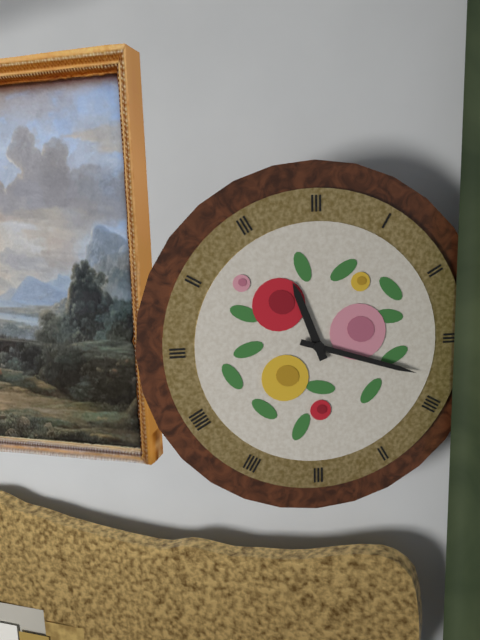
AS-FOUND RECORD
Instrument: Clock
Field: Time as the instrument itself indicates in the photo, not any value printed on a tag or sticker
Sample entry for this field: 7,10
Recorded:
11,18
